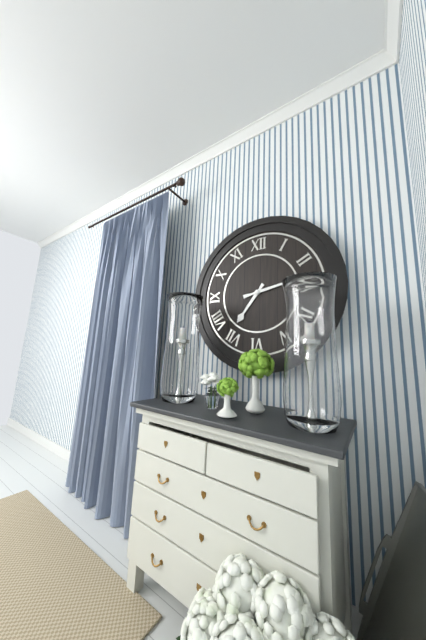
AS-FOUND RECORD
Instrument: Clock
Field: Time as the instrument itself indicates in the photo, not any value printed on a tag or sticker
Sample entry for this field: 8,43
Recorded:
7,13
